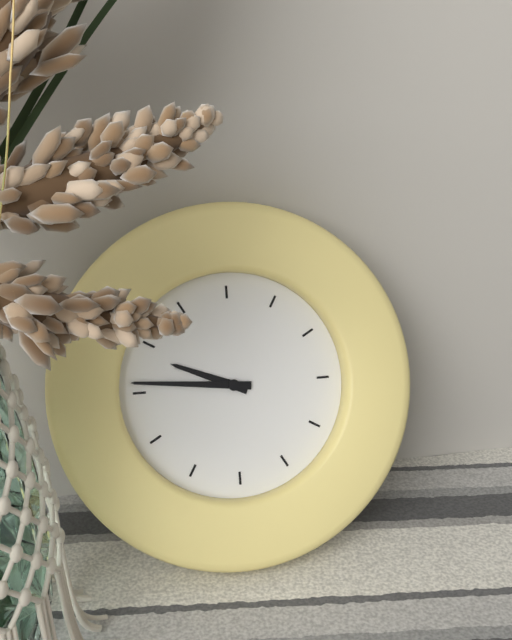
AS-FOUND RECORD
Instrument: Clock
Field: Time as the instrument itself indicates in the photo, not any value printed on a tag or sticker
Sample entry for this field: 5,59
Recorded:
9,46
